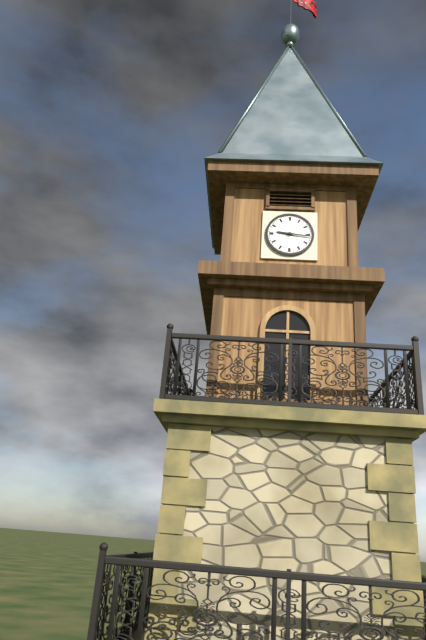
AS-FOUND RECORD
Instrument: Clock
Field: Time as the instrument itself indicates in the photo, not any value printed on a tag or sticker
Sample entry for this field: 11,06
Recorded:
9,16
